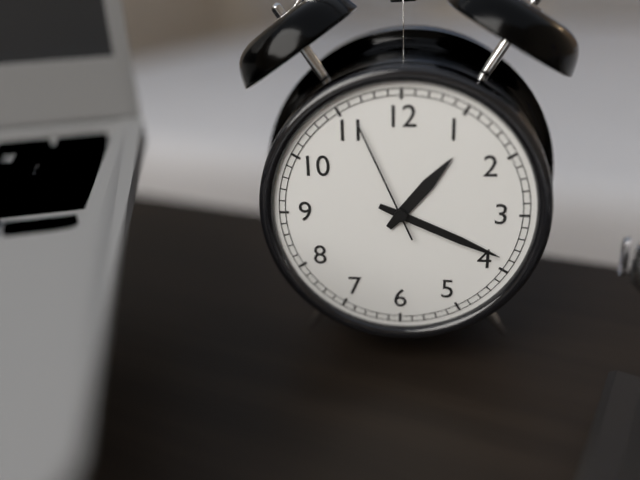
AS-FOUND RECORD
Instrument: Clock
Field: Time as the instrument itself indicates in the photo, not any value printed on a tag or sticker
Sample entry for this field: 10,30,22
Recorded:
1,19,56
